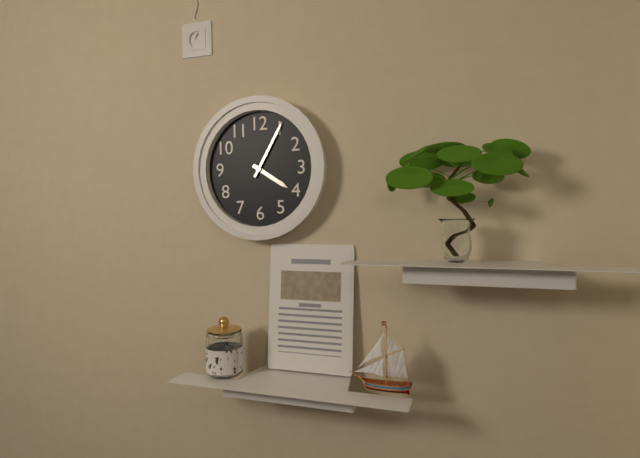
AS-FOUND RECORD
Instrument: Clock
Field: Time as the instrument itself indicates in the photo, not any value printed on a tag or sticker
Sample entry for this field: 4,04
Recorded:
4,05
